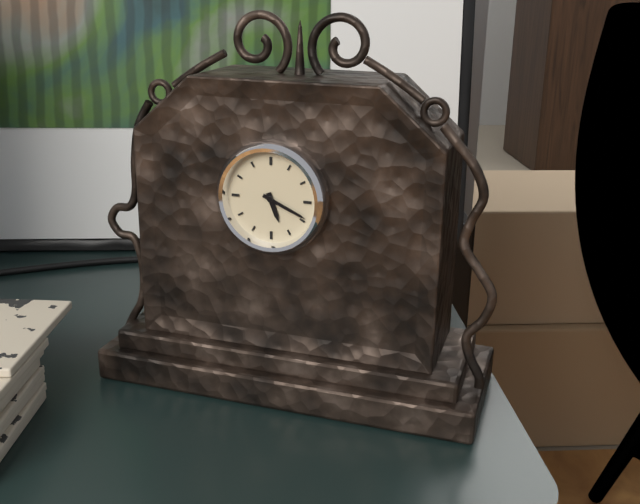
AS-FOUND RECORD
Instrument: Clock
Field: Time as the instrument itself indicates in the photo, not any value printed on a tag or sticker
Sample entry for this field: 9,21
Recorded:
5,19
